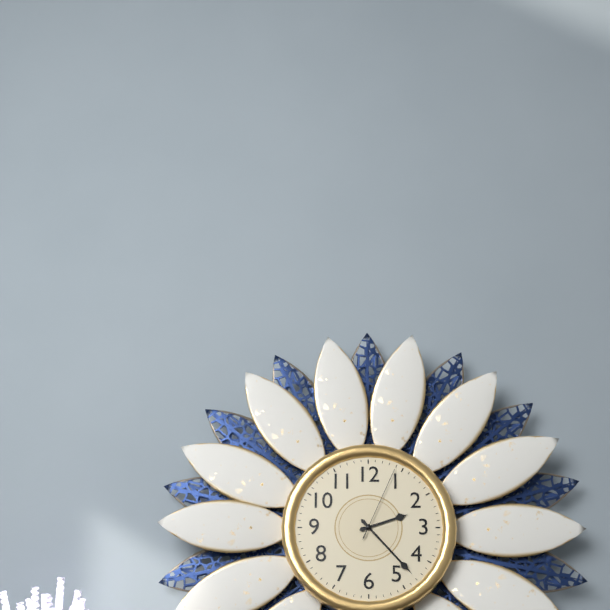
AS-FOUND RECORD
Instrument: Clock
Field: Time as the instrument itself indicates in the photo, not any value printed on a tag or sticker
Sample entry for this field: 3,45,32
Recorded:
2,23,04
